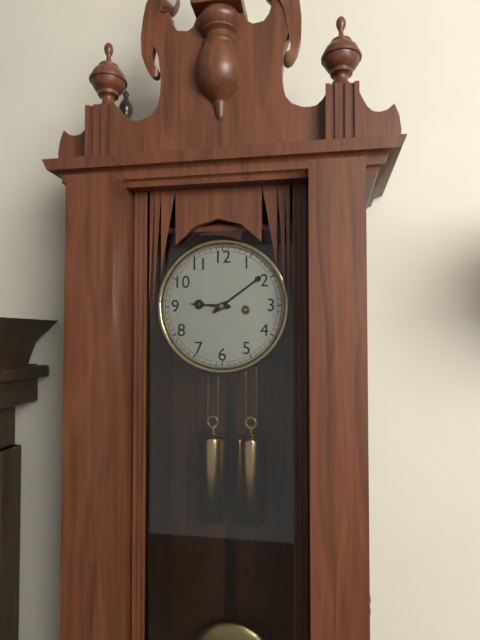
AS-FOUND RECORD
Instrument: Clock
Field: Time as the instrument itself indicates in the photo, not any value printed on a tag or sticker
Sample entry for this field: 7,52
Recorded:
9,09
